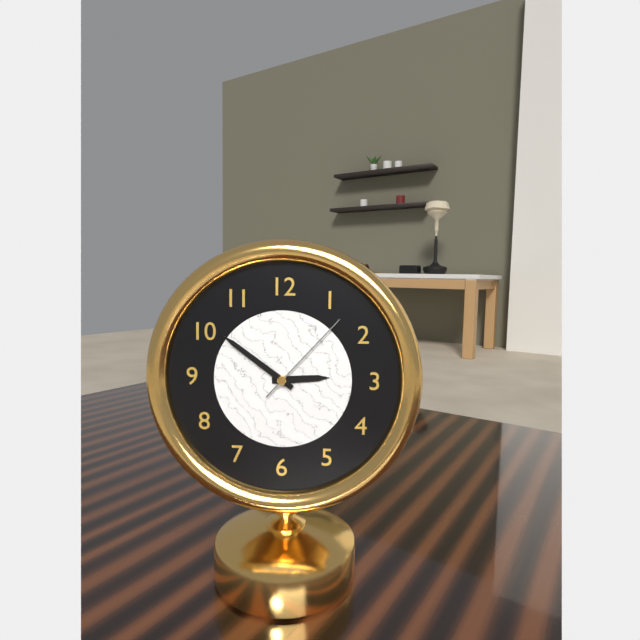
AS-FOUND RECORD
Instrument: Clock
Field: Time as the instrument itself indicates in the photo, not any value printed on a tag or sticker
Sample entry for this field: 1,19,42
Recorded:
2,51,07
